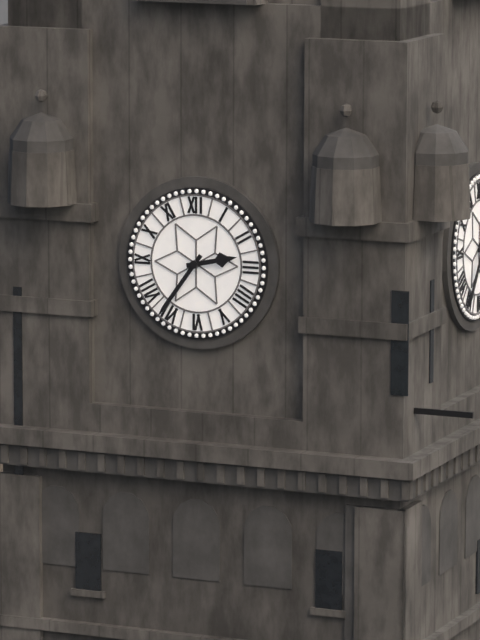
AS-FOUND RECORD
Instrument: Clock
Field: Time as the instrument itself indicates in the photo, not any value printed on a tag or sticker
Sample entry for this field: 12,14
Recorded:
2,36
